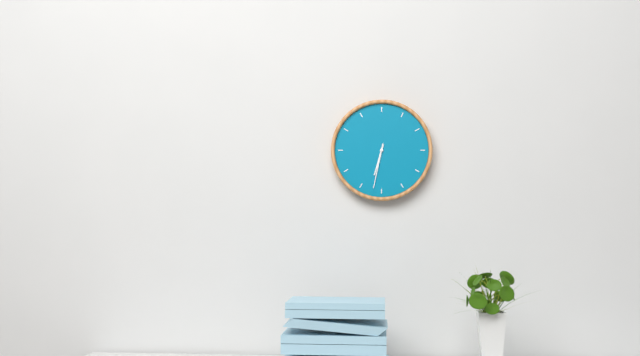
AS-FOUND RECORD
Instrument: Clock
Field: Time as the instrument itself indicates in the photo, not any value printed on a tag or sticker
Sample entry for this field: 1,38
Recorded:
6,32
